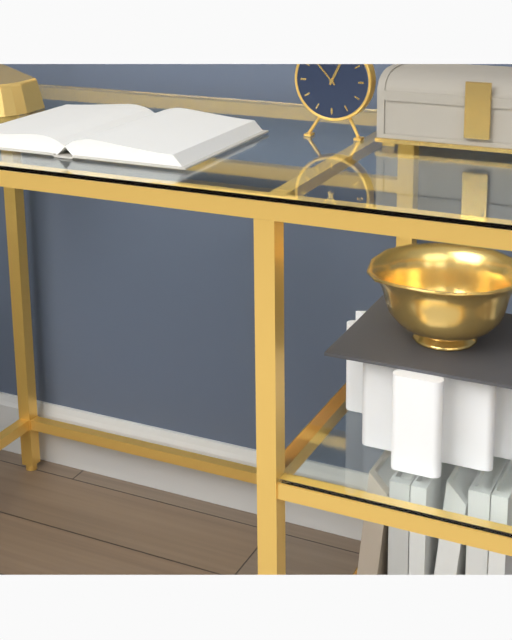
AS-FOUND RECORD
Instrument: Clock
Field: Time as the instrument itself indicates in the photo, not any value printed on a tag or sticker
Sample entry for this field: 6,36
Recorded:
12,53
